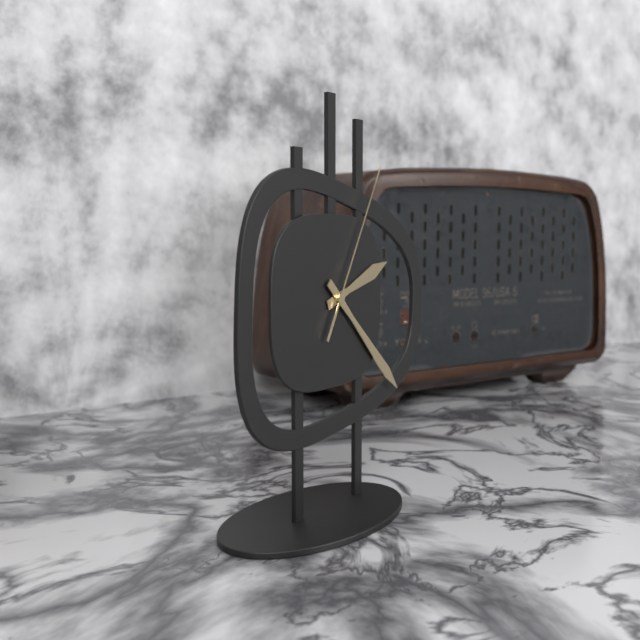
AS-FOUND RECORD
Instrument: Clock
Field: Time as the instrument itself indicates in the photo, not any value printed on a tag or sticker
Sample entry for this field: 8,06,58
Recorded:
2,22,05
